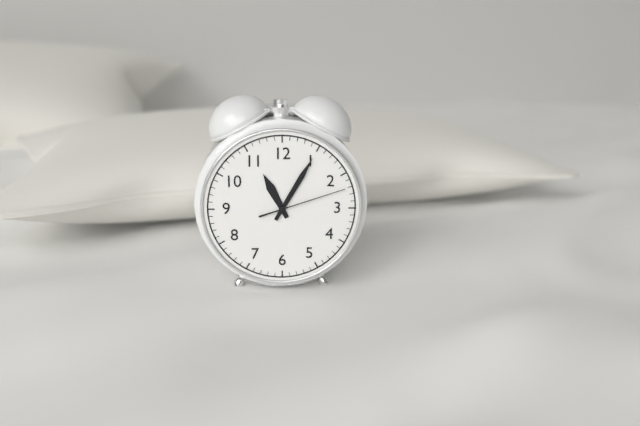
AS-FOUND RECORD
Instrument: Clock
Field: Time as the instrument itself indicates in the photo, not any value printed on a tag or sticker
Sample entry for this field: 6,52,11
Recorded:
11,05,12
